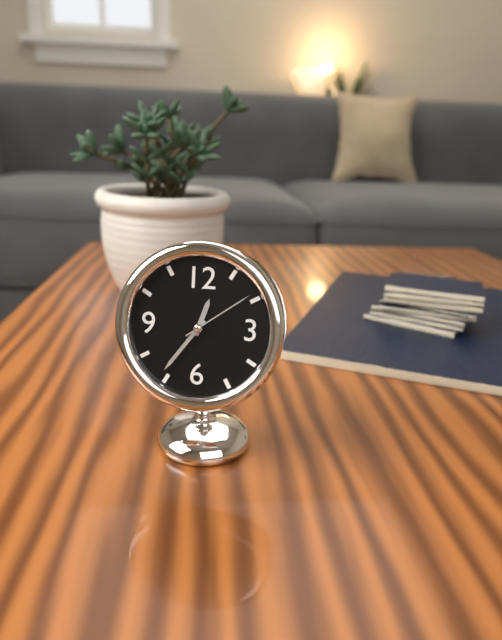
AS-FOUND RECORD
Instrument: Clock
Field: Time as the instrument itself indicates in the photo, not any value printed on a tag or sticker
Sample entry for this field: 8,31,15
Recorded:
12,36,09
